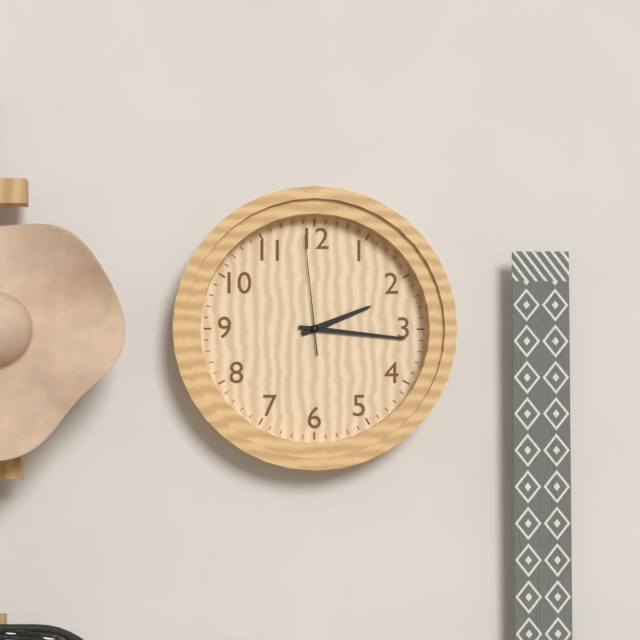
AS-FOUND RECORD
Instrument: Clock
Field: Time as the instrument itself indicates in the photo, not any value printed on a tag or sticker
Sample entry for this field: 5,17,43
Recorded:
2,16,59
